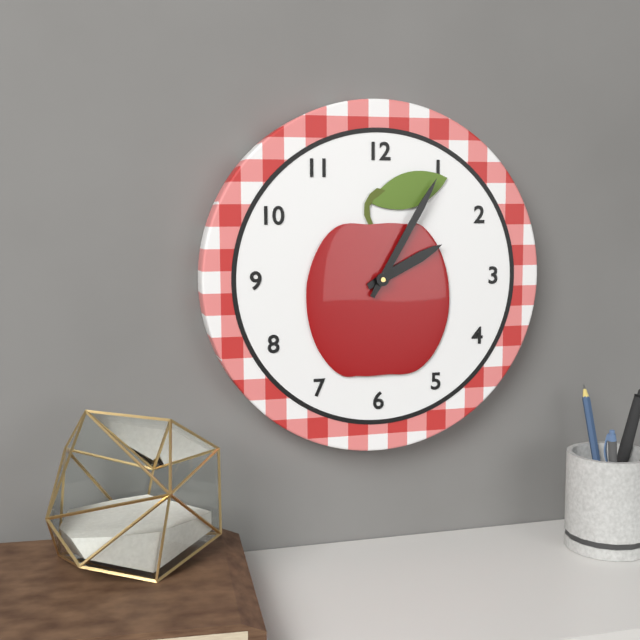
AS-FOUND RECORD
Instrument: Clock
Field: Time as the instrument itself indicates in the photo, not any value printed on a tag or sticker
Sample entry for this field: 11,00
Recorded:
2,05
